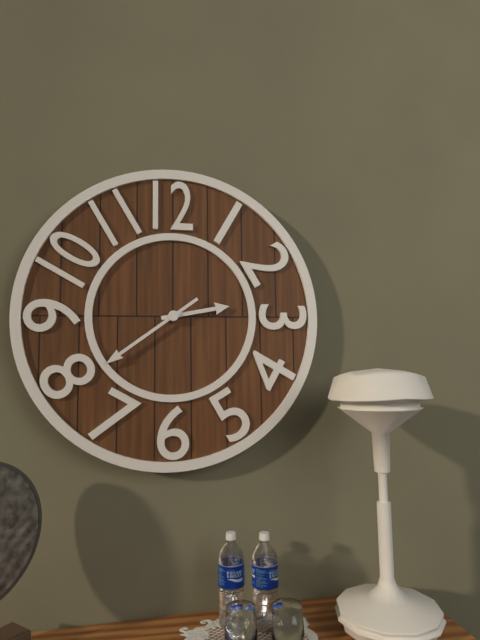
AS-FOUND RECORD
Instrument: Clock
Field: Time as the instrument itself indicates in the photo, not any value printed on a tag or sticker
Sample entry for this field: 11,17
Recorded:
2,39
